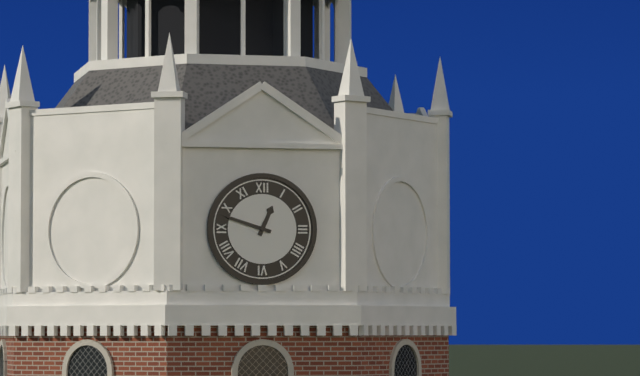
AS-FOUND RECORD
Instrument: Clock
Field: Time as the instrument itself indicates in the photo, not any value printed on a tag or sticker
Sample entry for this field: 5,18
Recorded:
12,48
